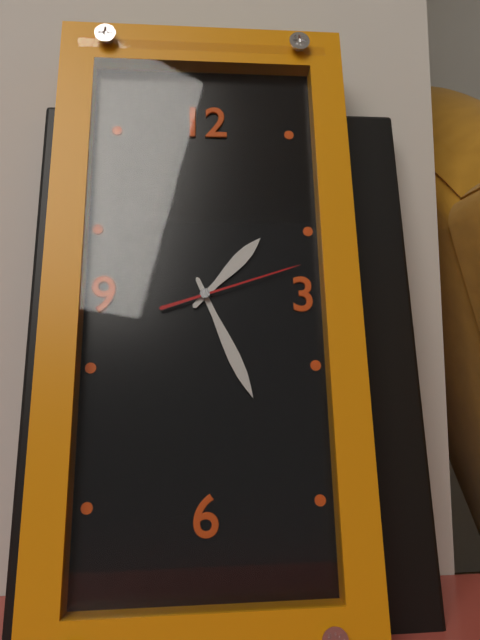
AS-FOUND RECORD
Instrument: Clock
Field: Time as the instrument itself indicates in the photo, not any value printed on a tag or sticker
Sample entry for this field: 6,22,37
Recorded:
1,26,12
